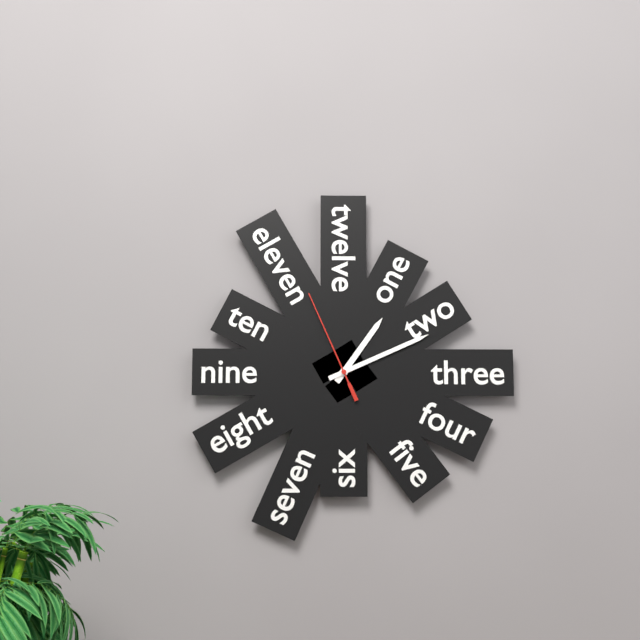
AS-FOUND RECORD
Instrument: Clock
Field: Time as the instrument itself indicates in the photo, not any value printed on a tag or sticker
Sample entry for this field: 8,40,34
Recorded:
1,11,56
